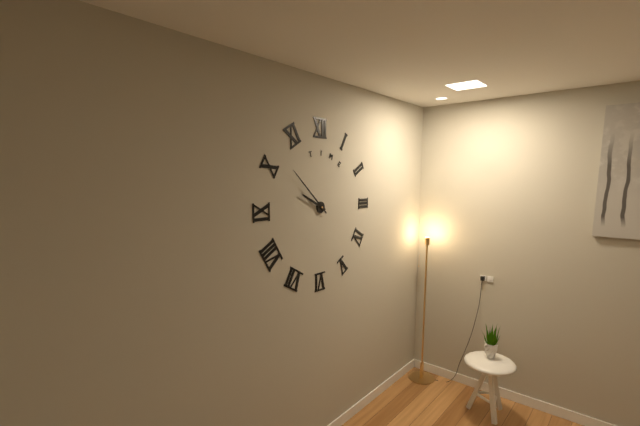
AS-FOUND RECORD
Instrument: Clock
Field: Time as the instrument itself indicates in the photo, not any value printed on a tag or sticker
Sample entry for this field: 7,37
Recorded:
9,52
